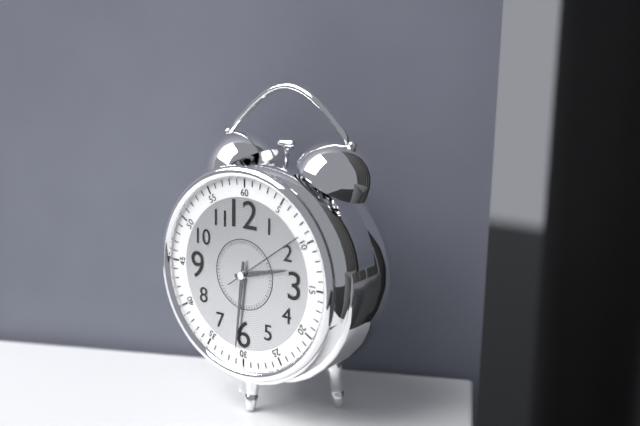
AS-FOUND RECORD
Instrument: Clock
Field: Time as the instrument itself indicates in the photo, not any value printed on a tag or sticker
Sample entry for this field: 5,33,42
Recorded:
2,31,09
